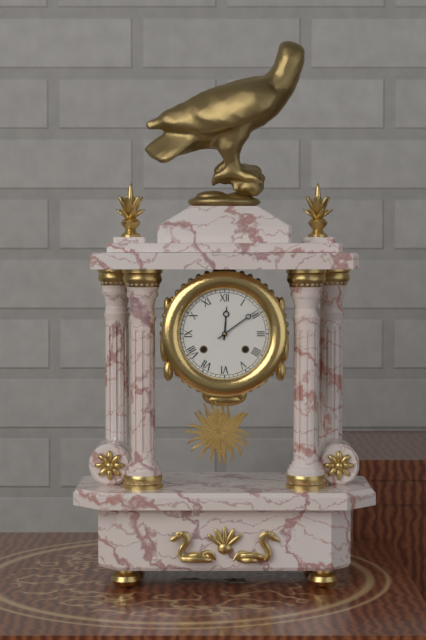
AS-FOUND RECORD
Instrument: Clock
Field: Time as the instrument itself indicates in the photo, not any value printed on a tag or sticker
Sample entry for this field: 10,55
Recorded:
12,09
